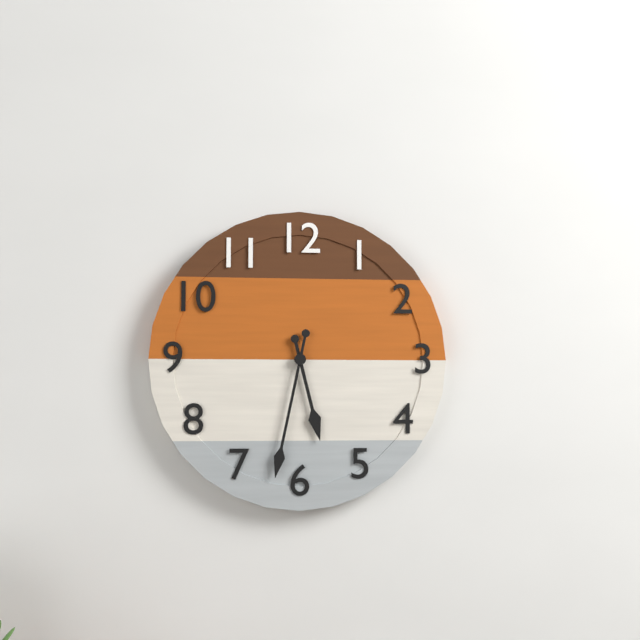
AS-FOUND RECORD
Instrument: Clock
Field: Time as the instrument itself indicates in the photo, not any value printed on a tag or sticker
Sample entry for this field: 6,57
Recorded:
5,32
